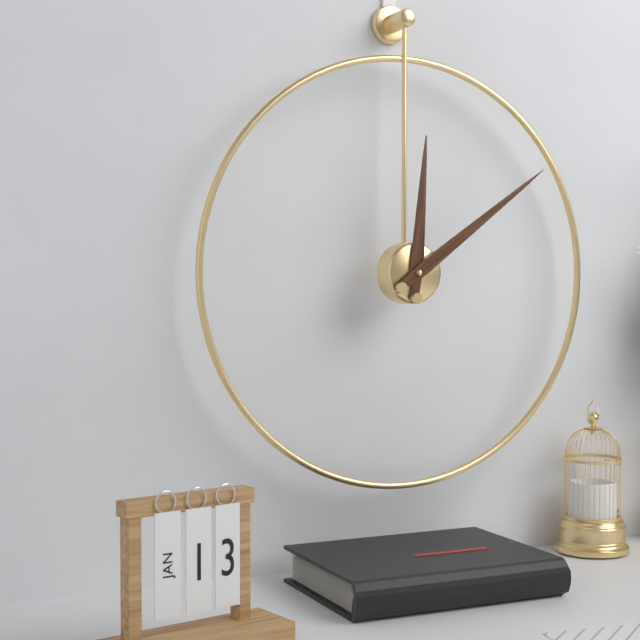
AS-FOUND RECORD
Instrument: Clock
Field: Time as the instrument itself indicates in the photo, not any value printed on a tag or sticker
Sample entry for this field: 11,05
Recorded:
12,09
